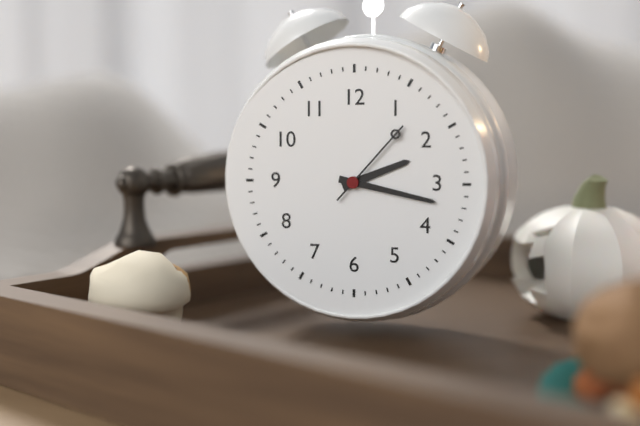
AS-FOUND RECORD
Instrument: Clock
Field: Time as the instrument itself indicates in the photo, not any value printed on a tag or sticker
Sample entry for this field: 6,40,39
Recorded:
2,17,07
